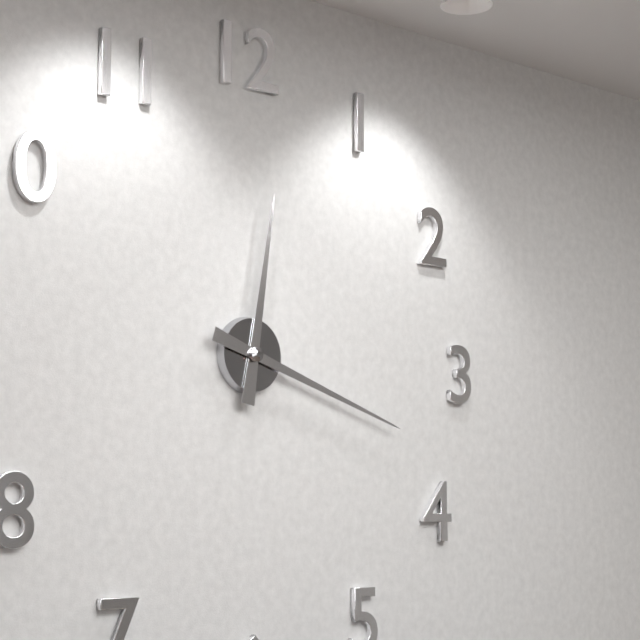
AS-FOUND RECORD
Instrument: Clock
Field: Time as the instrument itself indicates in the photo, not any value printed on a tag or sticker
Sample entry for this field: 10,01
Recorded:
12,18
